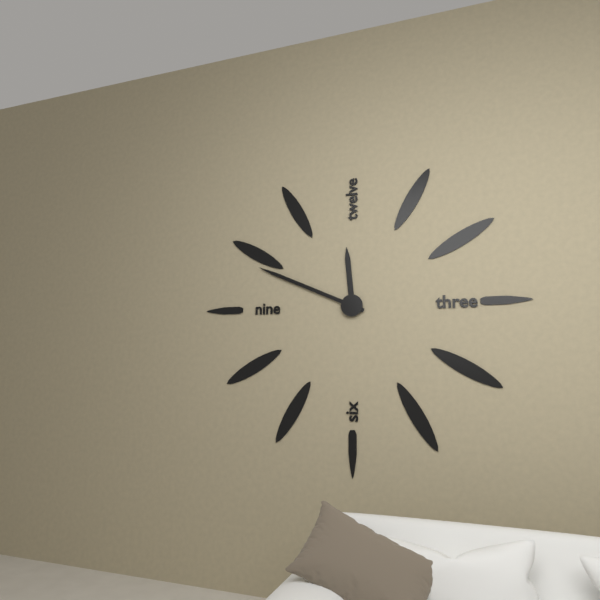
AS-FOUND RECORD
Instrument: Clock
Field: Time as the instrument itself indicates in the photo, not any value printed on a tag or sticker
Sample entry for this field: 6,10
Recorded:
11,49
